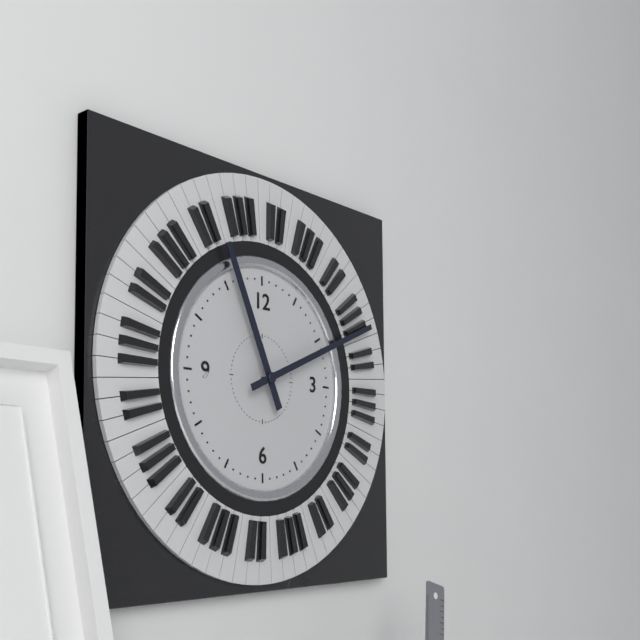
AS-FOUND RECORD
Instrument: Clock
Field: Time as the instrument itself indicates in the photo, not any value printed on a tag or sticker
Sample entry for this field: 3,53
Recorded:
11,11
